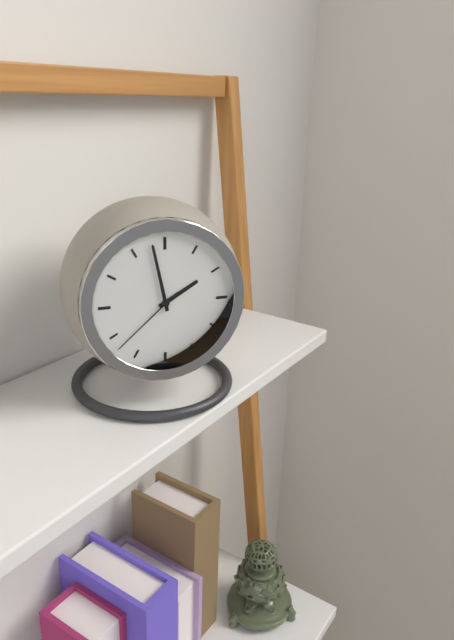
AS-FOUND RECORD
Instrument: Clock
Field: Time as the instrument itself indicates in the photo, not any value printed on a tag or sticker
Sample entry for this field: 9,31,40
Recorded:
1,58,38
